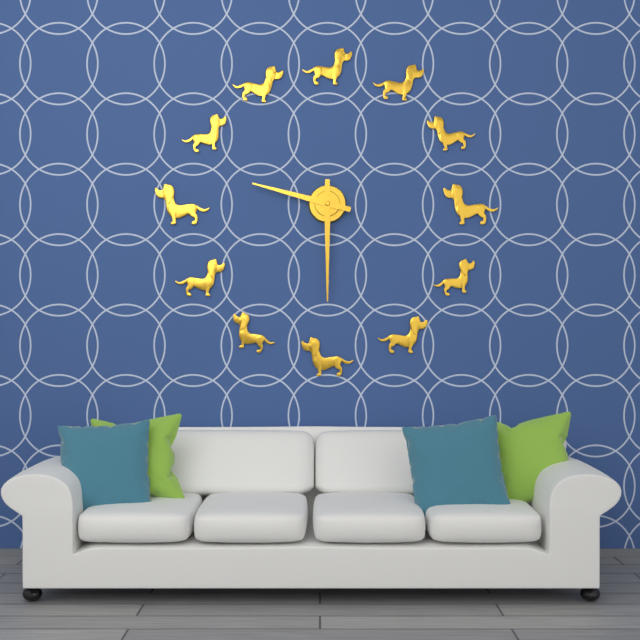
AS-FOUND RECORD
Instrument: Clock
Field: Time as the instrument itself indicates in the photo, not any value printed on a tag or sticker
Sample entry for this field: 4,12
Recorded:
9,30
